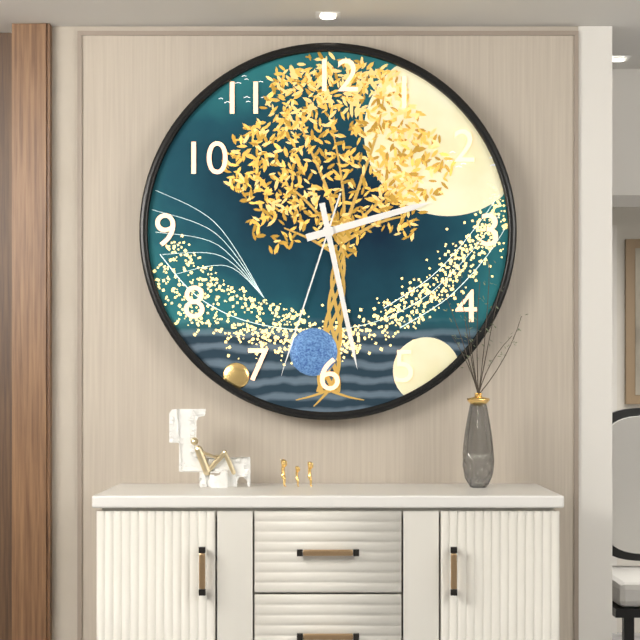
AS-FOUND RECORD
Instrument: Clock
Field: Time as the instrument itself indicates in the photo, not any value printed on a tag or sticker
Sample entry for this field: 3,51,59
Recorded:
2,28,33
